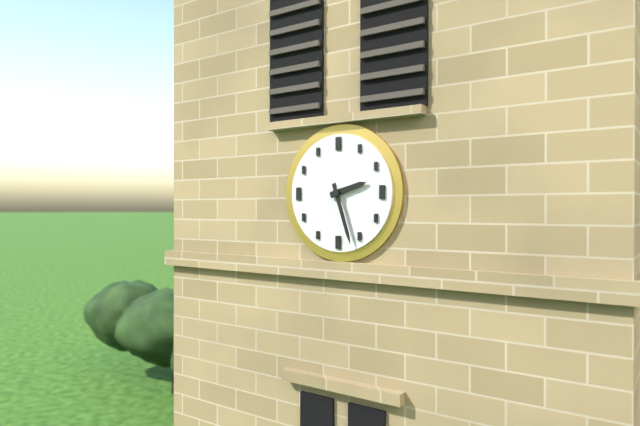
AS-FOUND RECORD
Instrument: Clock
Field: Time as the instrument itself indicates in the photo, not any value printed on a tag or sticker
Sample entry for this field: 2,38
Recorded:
2,27
